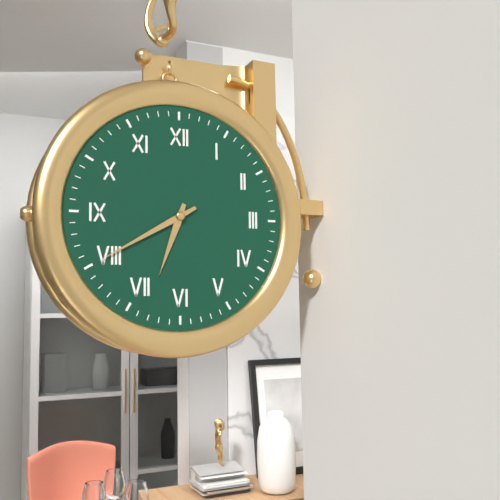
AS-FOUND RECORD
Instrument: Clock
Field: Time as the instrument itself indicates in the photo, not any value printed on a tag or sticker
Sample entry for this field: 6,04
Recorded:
6,40
